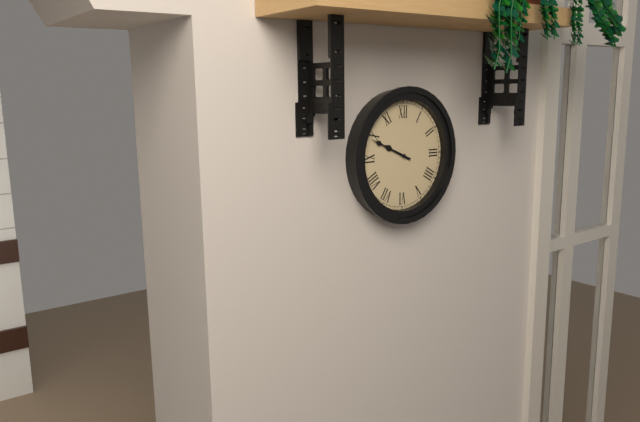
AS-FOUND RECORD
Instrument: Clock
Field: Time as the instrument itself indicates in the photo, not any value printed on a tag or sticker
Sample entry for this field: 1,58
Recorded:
9,49
